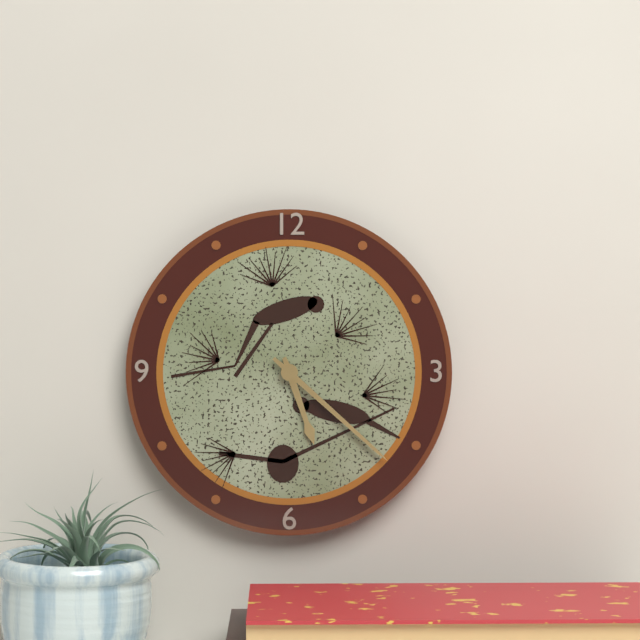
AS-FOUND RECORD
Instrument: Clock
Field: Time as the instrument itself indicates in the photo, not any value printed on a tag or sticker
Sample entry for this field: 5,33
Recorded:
5,22
